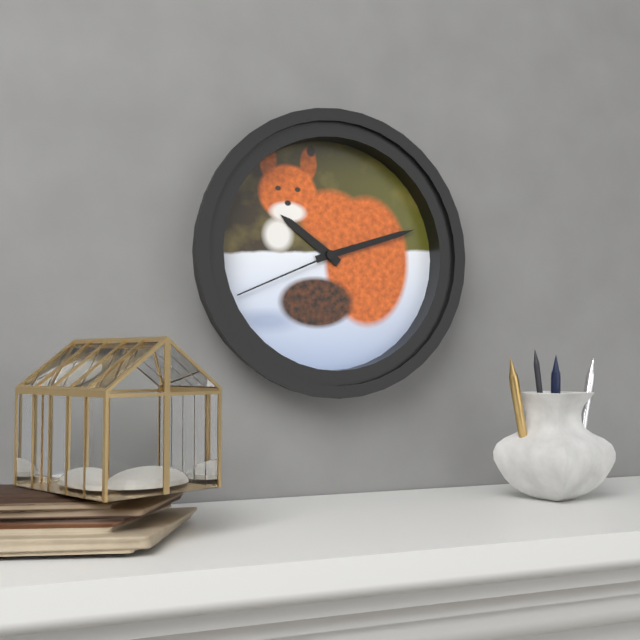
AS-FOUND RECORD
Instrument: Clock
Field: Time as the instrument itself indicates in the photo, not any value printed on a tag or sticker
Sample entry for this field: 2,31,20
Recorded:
10,12,41
